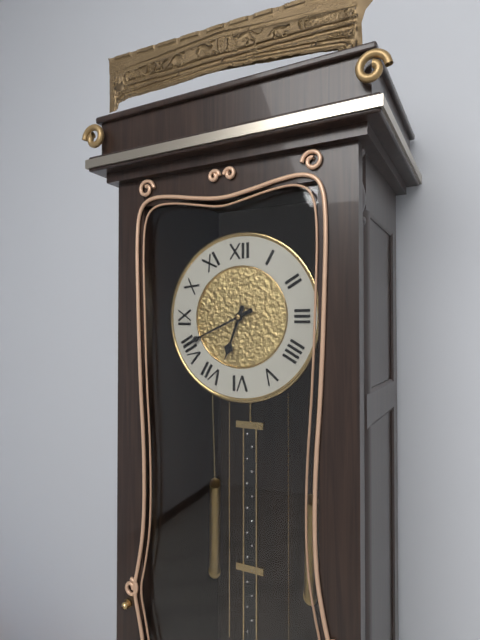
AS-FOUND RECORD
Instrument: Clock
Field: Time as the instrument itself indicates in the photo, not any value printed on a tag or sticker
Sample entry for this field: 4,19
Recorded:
6,41
